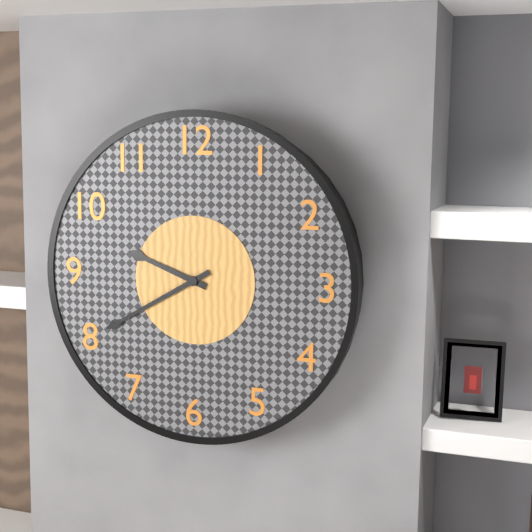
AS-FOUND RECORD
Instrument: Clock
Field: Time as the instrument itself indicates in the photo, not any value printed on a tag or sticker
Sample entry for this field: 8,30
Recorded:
9,40
